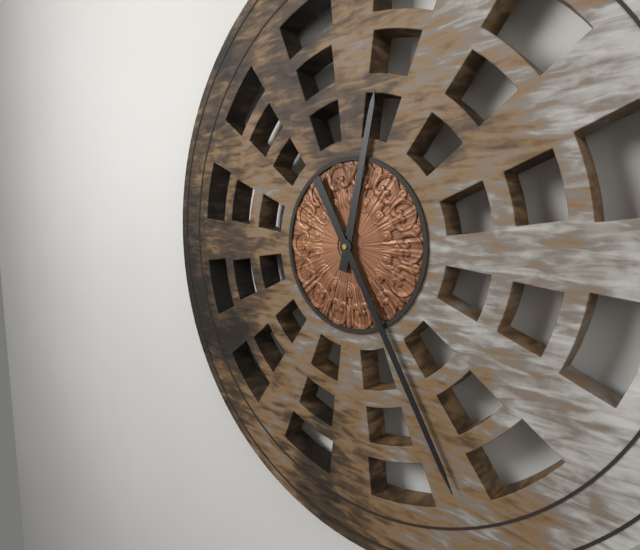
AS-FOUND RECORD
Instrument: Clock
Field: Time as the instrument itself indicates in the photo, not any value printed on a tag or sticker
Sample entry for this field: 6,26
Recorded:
12,25
